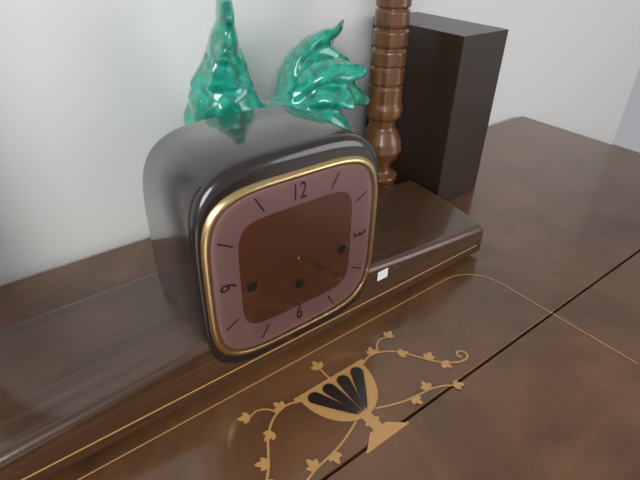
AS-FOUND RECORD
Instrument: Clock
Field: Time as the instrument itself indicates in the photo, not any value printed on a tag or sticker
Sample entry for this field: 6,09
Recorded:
4,22
